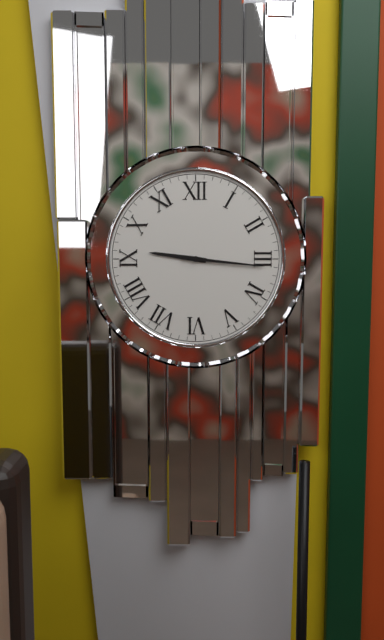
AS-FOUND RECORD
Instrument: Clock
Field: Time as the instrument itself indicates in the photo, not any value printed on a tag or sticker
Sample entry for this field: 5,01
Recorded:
9,16
